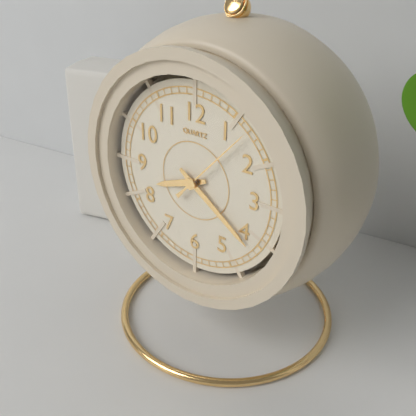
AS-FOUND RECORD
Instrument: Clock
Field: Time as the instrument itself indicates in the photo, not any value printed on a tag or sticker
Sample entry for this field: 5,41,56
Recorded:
8,21,07
